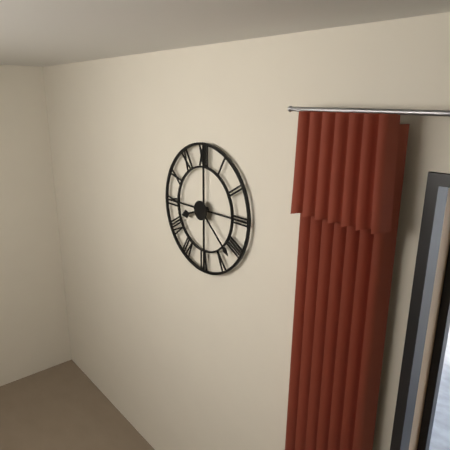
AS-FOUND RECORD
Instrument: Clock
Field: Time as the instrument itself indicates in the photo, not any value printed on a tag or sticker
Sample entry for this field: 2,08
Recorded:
8,22
